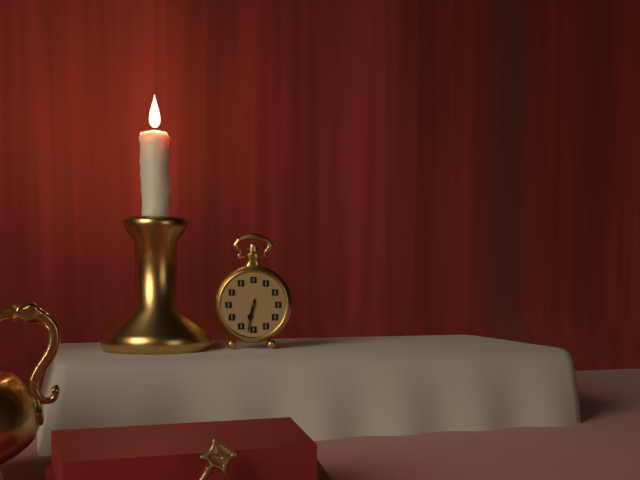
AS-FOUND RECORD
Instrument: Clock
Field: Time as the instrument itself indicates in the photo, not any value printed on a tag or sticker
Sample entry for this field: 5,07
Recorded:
6,32
